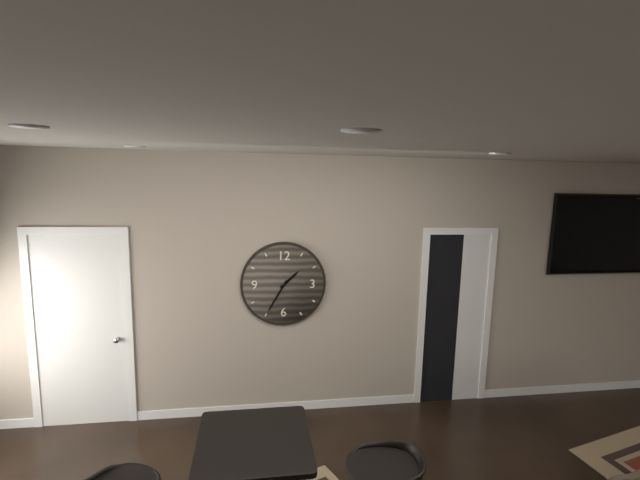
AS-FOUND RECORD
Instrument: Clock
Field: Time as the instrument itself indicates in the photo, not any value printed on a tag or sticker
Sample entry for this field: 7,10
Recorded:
1,35
